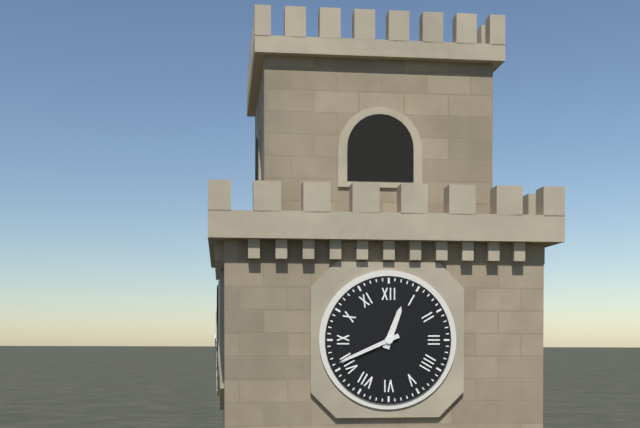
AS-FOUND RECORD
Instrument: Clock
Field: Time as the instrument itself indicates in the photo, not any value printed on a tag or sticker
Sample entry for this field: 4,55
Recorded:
12,41
